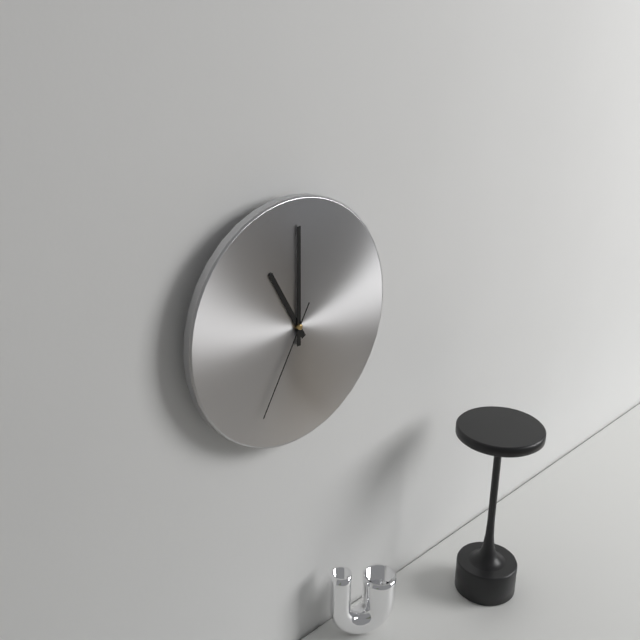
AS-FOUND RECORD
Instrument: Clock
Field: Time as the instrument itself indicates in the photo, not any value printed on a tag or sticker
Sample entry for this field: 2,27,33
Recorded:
11,00,35
